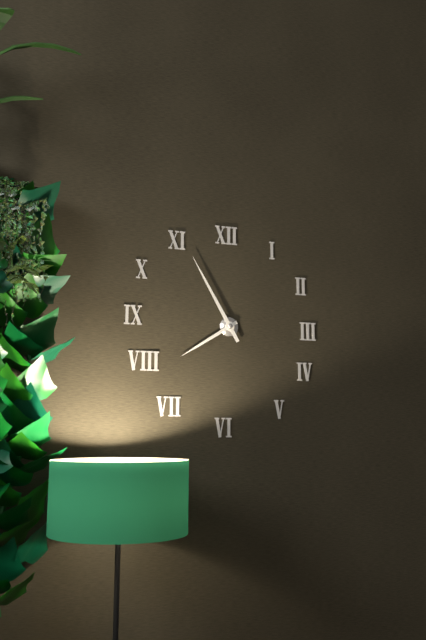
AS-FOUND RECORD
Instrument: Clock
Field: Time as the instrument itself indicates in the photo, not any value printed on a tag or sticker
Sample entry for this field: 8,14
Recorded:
7,55
